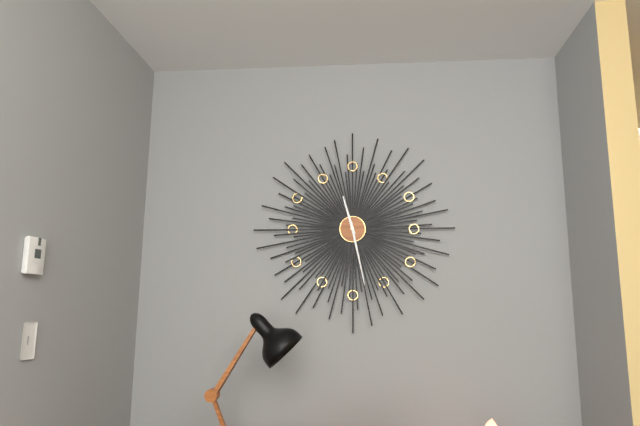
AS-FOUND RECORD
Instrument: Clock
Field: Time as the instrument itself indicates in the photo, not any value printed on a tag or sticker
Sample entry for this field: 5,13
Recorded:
11,28
